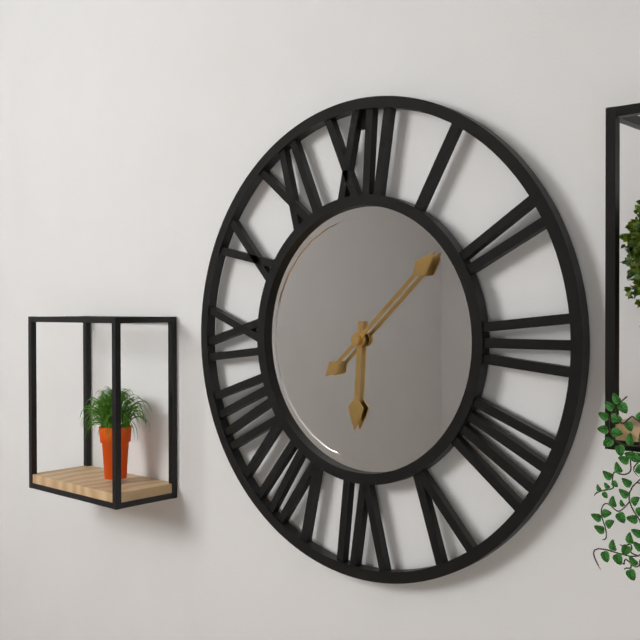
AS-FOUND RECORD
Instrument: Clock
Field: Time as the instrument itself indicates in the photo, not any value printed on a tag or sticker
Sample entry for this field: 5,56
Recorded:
6,08
